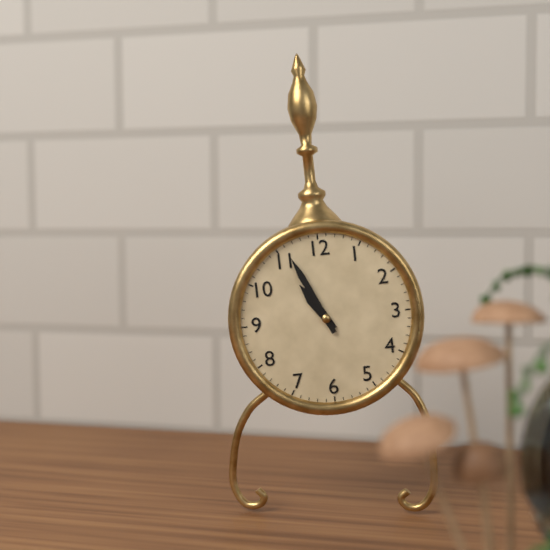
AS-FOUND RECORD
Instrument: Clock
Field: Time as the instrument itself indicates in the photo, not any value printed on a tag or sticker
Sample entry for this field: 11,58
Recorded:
10,56
